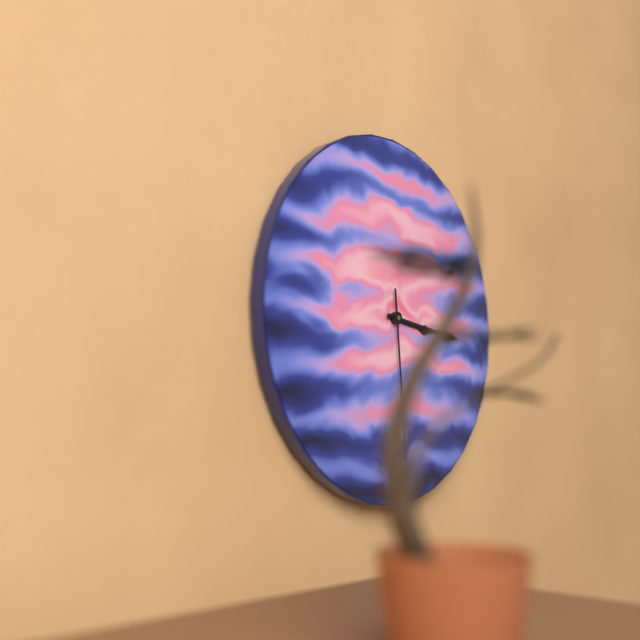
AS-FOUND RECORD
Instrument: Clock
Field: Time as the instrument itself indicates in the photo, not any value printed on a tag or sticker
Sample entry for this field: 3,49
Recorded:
3,16
